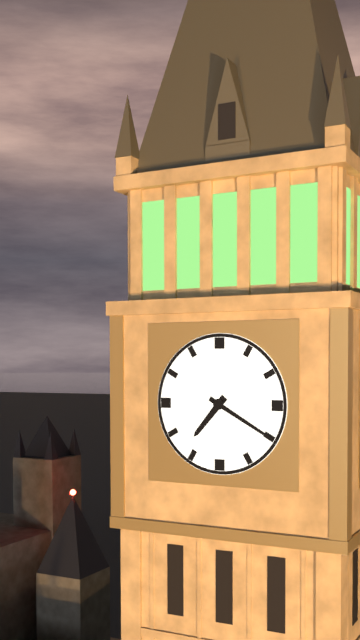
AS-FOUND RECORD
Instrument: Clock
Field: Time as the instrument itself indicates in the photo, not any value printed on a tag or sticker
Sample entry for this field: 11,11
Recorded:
7,20
